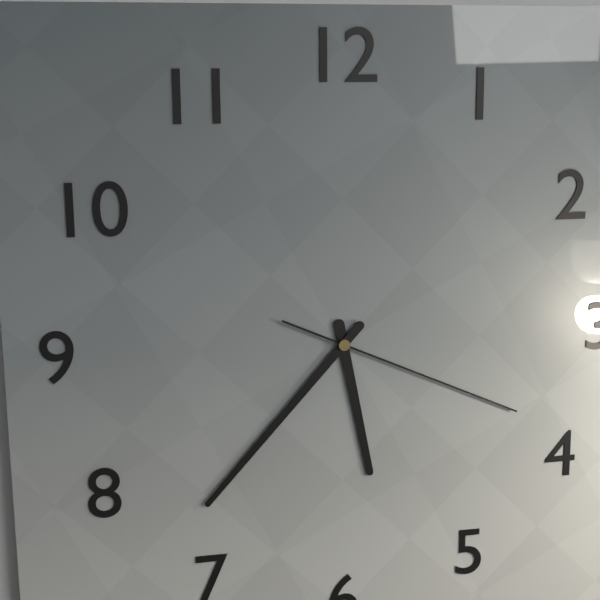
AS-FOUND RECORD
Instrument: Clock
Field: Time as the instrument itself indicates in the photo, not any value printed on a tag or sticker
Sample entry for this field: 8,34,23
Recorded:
5,37,19
